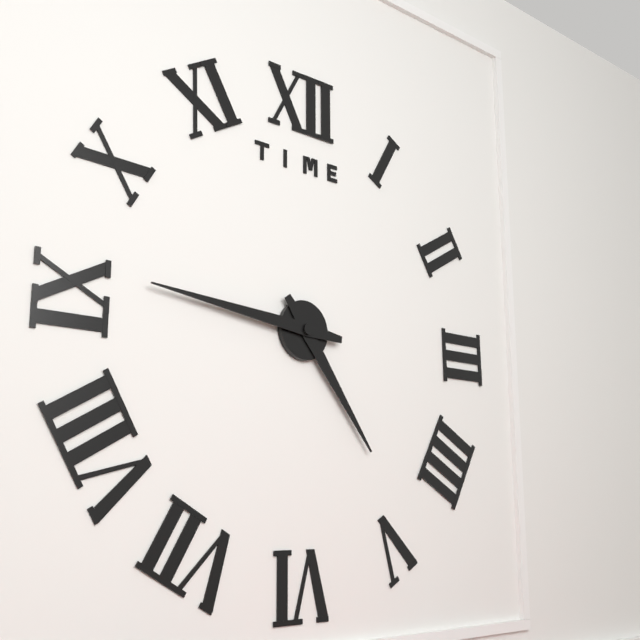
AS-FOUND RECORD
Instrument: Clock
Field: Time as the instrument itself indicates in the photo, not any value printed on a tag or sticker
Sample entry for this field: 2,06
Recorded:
4,46
